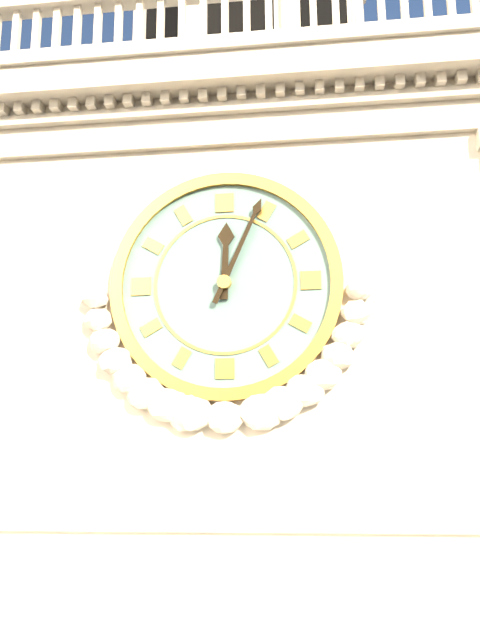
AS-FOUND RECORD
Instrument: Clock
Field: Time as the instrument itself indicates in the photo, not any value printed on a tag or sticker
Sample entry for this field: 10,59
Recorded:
12,04
